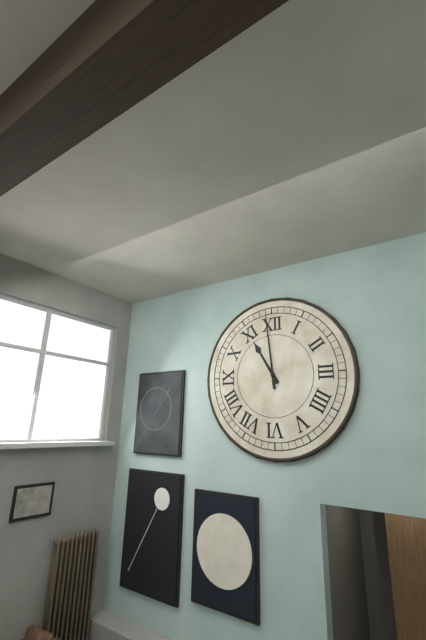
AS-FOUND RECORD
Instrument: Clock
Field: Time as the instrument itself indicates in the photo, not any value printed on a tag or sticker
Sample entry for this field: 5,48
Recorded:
10,59
